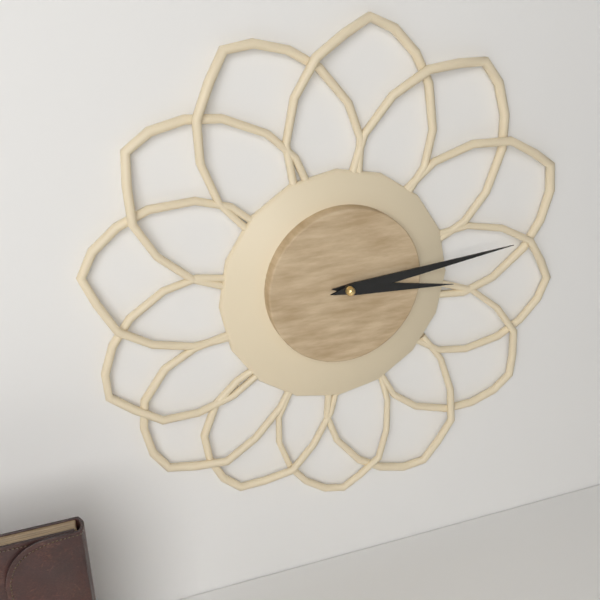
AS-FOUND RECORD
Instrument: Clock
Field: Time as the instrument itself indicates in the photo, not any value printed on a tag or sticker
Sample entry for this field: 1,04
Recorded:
3,14
